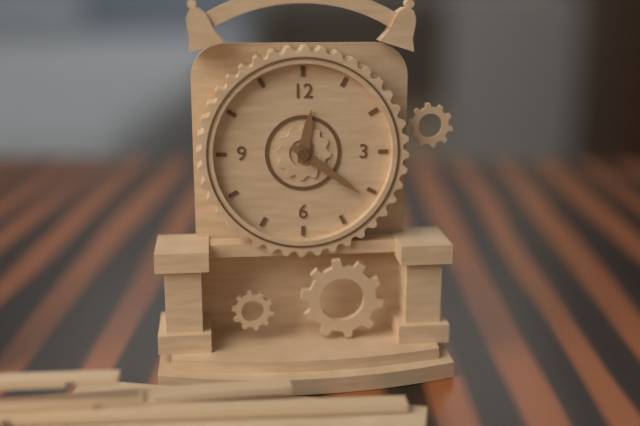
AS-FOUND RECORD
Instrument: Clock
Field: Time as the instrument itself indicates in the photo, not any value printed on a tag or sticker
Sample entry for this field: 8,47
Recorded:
12,21
